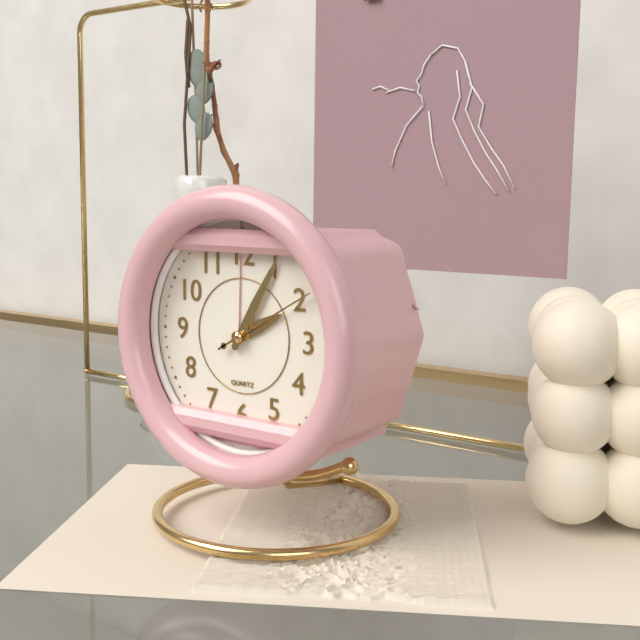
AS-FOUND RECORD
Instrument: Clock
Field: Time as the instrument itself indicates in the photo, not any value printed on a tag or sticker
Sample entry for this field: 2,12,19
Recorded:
2,05,10
